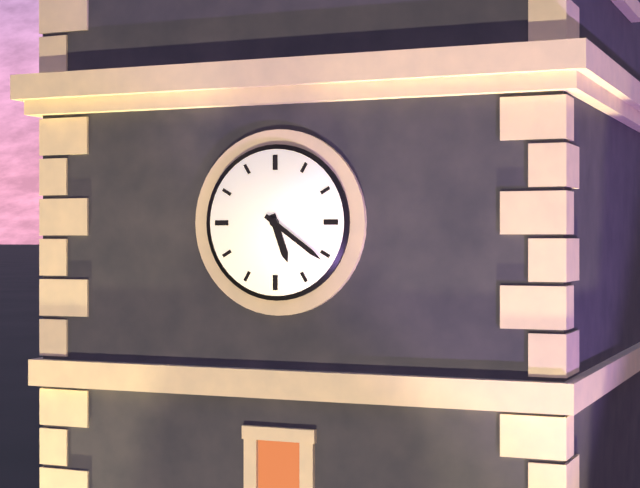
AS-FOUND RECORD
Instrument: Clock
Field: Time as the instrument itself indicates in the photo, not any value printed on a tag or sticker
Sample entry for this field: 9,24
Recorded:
5,21
